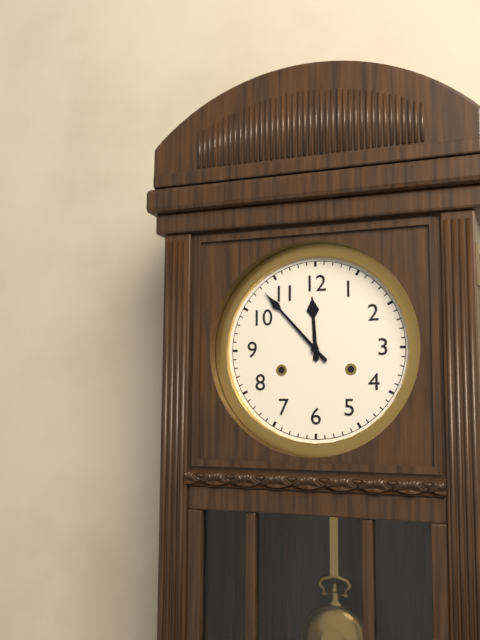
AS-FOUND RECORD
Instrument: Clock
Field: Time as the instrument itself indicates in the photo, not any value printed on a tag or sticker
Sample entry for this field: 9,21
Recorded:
11,53
